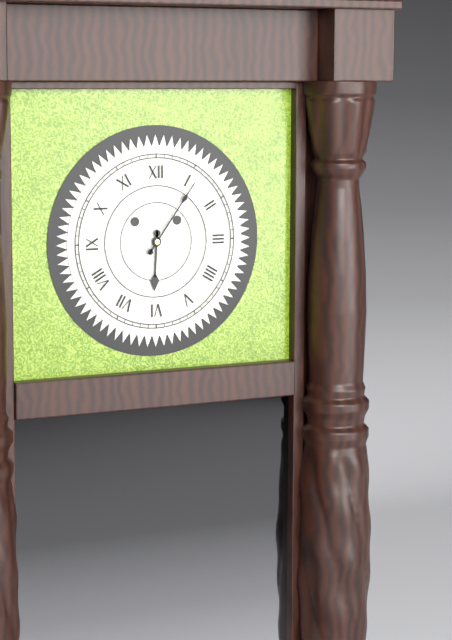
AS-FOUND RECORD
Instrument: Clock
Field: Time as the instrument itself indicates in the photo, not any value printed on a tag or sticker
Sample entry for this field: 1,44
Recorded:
6,06
